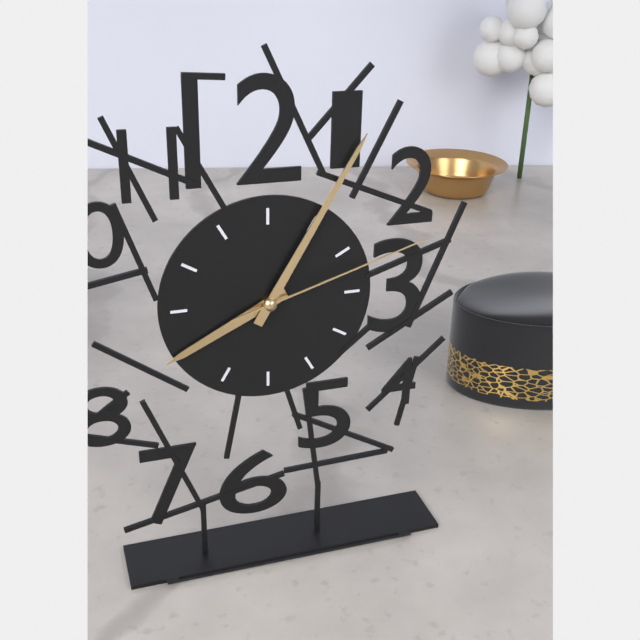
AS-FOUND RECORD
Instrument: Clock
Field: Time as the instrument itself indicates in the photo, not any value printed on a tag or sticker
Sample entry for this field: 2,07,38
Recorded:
8,05,12
